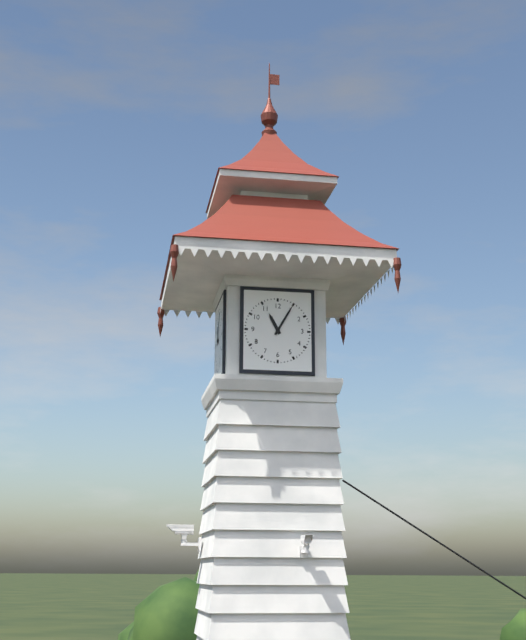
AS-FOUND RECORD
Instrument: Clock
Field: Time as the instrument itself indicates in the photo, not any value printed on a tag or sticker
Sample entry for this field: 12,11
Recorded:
11,05
